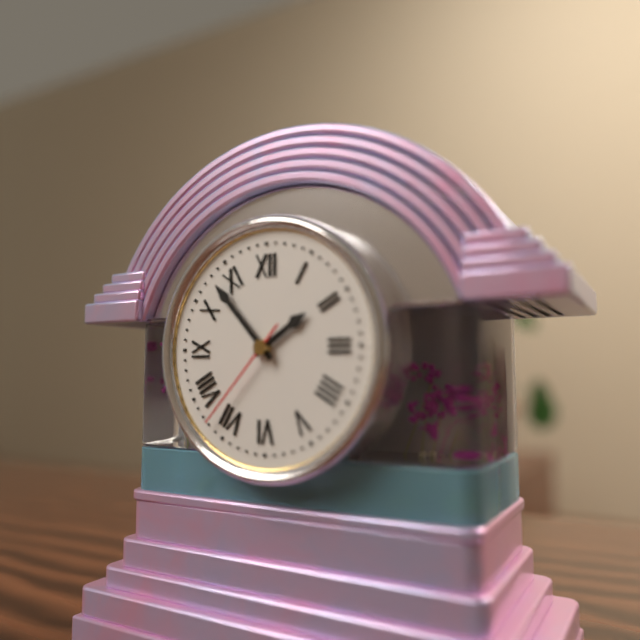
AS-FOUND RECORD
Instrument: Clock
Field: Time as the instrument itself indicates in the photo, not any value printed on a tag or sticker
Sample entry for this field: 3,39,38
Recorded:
1,53,37
